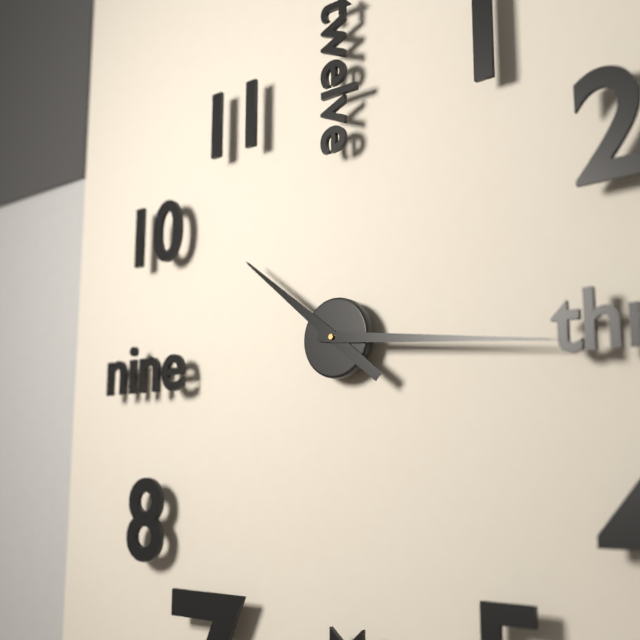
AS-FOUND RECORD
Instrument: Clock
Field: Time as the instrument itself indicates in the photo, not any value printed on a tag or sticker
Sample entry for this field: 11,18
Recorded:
10,16
